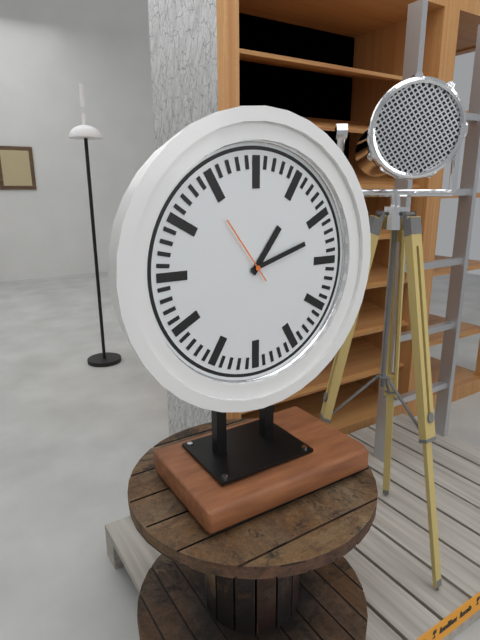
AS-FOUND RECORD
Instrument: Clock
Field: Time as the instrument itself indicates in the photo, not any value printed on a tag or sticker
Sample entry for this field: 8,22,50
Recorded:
1,12,54
